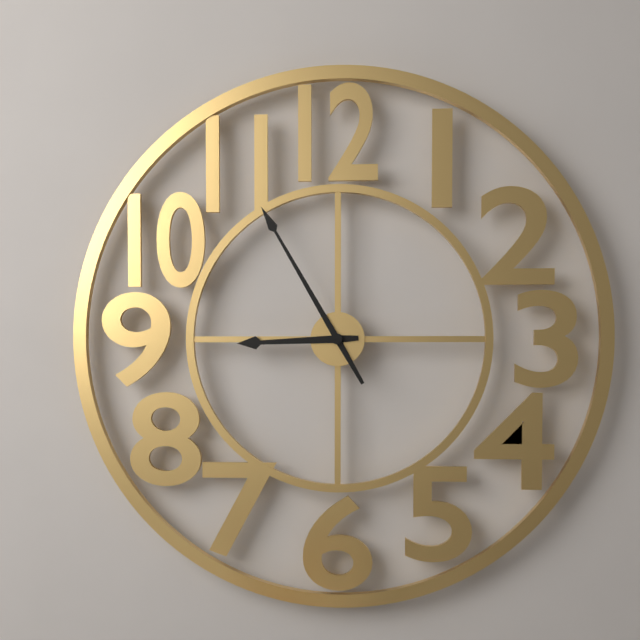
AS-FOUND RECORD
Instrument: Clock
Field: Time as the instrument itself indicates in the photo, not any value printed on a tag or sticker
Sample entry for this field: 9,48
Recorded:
8,55
